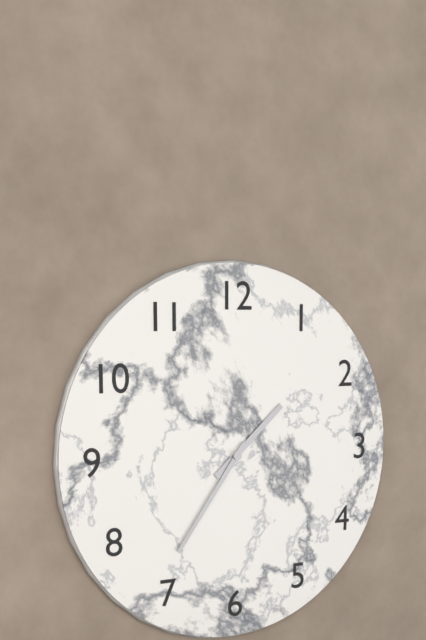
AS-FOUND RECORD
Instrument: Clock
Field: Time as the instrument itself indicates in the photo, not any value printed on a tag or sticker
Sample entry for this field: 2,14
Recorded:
1,36
